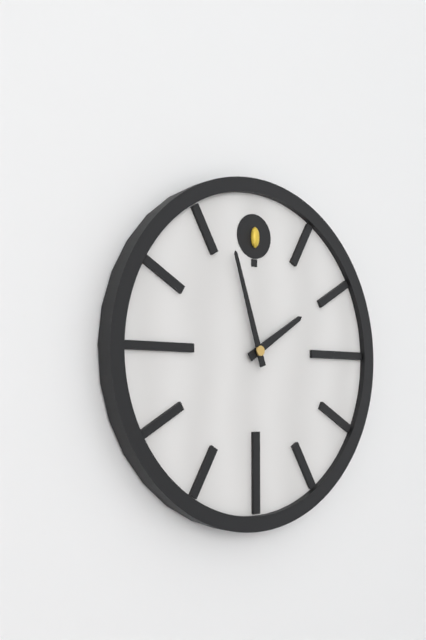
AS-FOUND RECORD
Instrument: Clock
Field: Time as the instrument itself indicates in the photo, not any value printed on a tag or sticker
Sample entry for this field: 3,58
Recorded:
1,57
